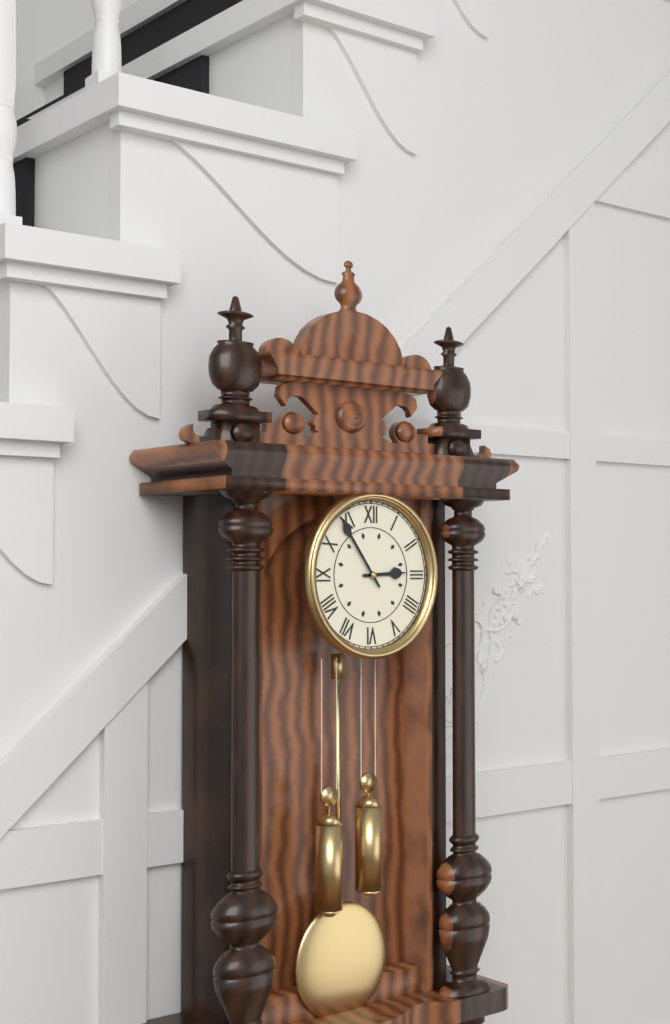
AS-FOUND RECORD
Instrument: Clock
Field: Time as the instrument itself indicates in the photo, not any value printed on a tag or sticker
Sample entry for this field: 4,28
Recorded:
2,54
